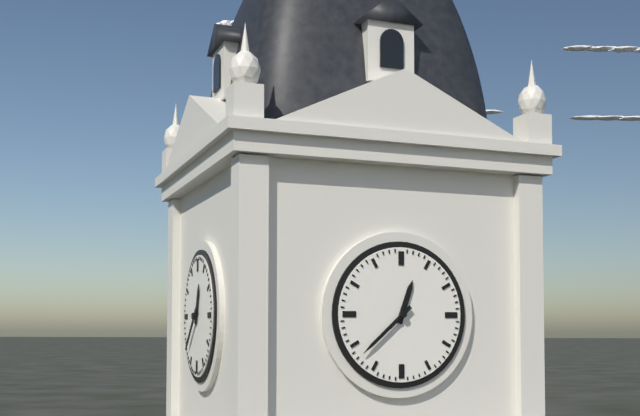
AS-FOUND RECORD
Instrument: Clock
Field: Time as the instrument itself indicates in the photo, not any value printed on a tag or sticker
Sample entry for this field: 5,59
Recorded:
12,38
